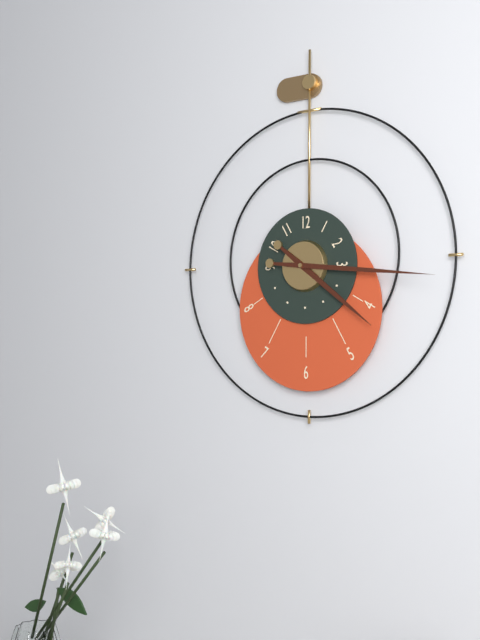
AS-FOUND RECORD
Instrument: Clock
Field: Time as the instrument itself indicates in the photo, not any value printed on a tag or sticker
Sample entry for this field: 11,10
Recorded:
4,16
